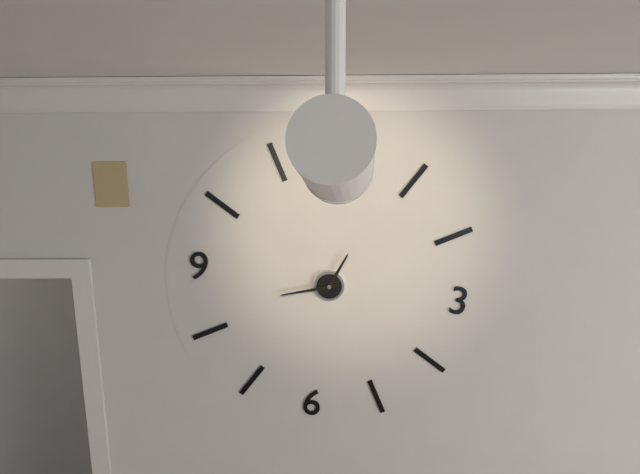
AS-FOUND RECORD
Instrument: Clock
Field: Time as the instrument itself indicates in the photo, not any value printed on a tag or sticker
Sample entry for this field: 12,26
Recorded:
12,42
